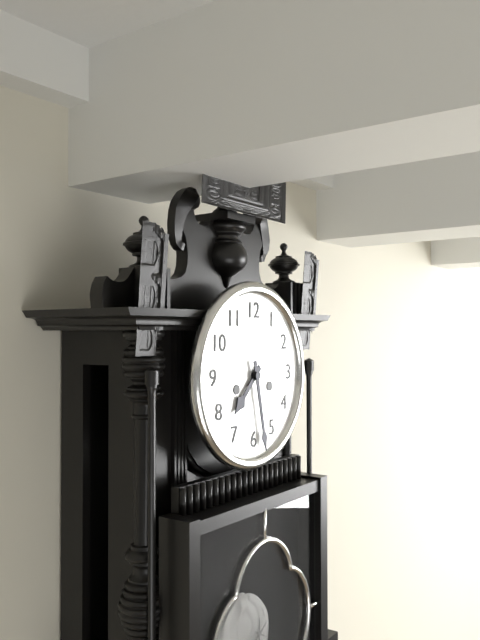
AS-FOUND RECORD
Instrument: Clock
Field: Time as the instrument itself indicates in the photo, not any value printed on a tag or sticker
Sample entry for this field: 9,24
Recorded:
7,28
